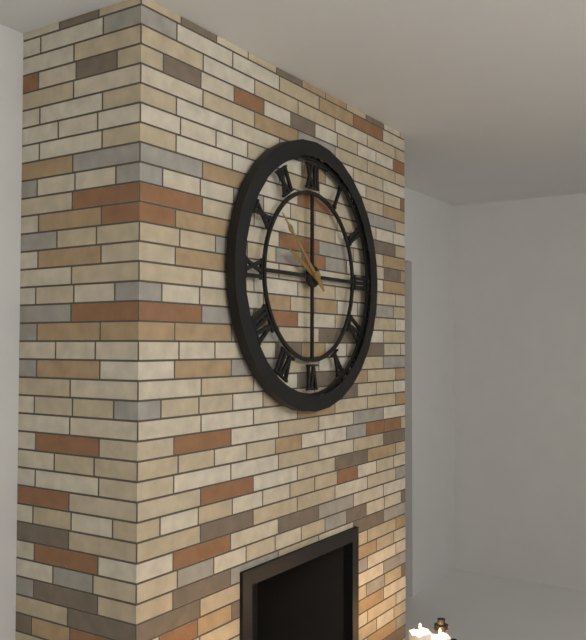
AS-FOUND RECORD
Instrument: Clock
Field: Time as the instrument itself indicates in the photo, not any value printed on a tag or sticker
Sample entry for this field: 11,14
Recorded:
9,52
